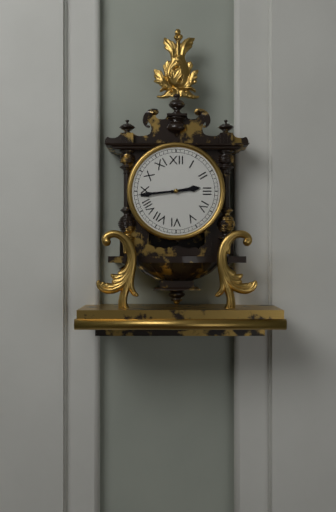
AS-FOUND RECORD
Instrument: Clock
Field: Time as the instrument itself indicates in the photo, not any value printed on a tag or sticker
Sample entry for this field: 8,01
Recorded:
2,44
